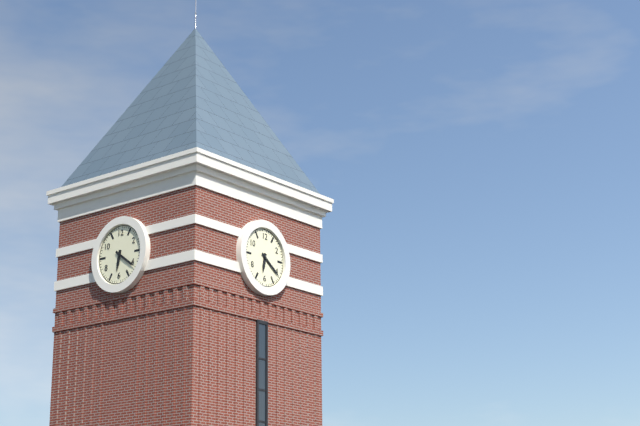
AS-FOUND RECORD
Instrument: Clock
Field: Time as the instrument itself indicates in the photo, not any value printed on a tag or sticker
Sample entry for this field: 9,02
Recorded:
6,21
